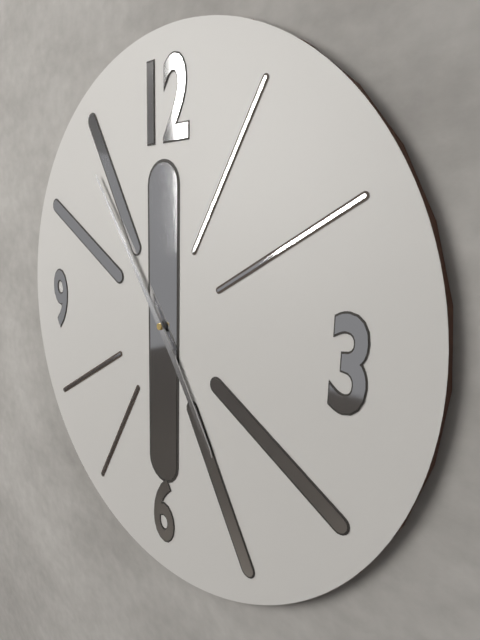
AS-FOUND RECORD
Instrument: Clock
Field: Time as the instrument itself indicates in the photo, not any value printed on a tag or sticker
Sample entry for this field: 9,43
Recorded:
4,54
